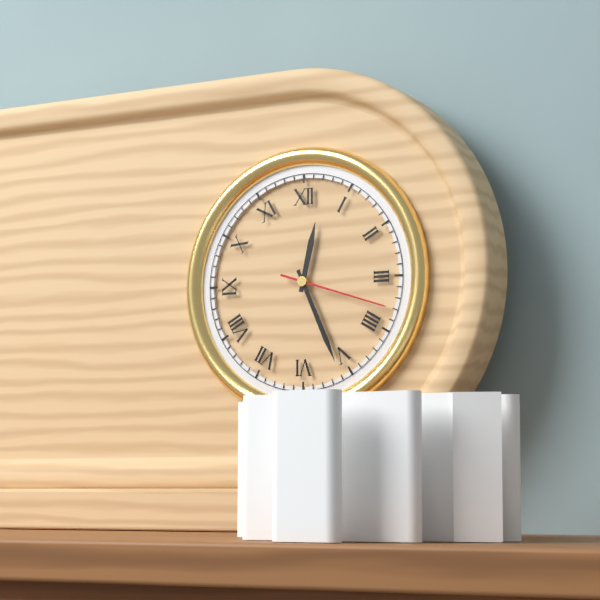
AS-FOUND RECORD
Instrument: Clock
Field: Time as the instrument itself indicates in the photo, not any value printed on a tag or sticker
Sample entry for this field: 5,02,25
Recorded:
12,26,18
